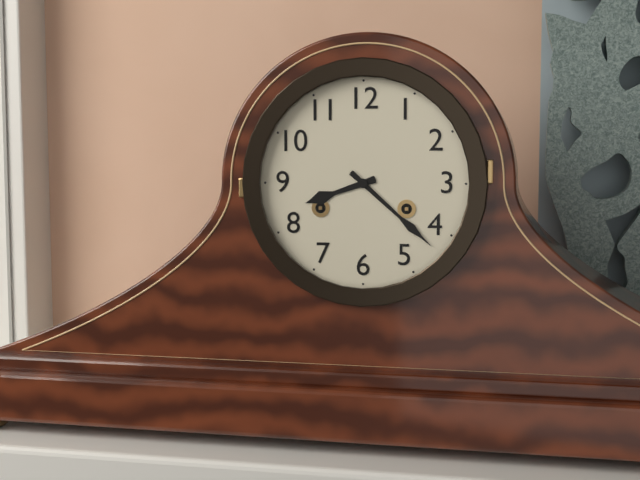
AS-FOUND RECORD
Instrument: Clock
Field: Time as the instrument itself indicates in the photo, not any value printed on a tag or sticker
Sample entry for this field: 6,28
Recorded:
8,22
